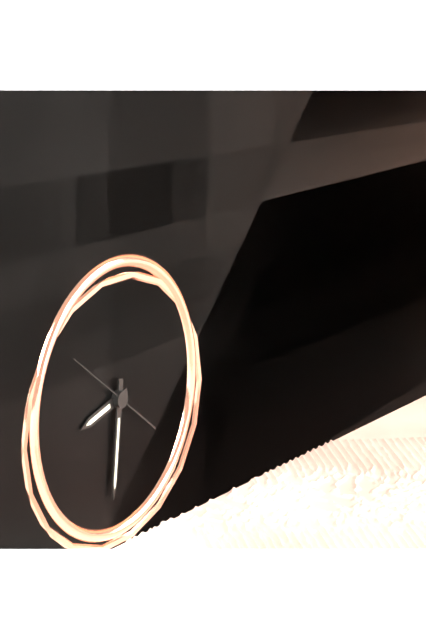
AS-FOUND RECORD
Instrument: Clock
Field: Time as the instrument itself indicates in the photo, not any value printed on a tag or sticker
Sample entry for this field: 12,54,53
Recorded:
8,31,51
